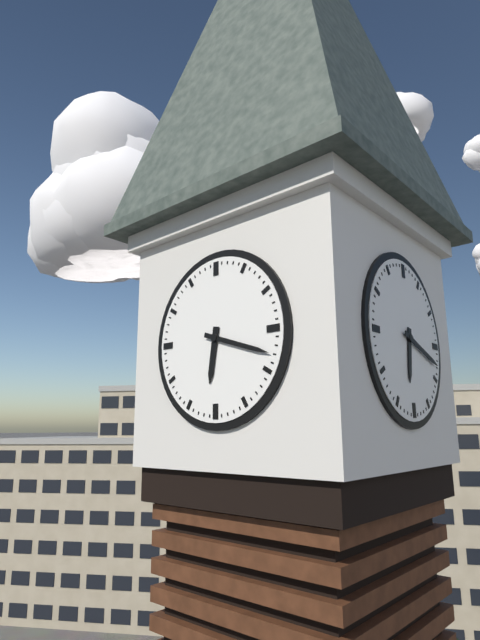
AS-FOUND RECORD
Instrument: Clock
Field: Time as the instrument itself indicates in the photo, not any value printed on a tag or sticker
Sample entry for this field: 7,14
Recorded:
6,18
